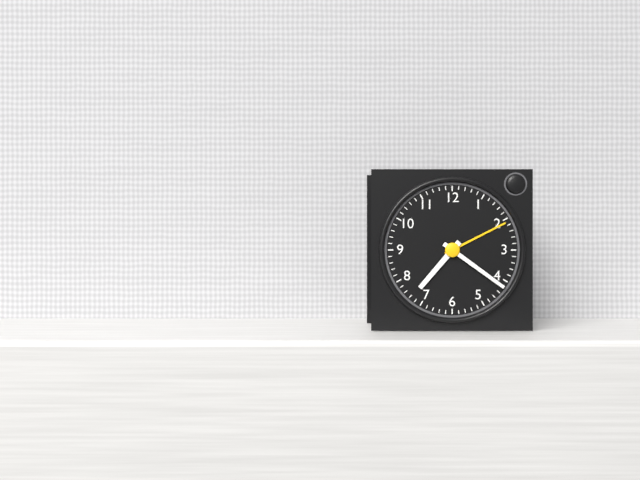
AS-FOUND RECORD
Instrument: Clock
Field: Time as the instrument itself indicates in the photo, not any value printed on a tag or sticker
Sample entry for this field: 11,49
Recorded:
7,21
